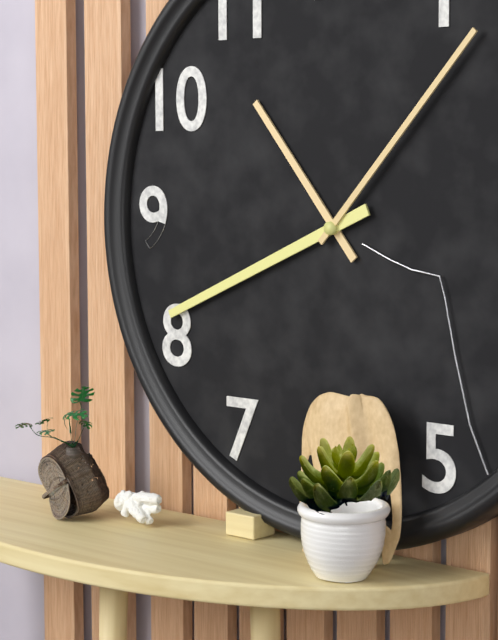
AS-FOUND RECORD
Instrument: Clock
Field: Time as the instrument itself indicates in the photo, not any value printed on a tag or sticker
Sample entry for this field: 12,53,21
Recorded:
10,41,07
